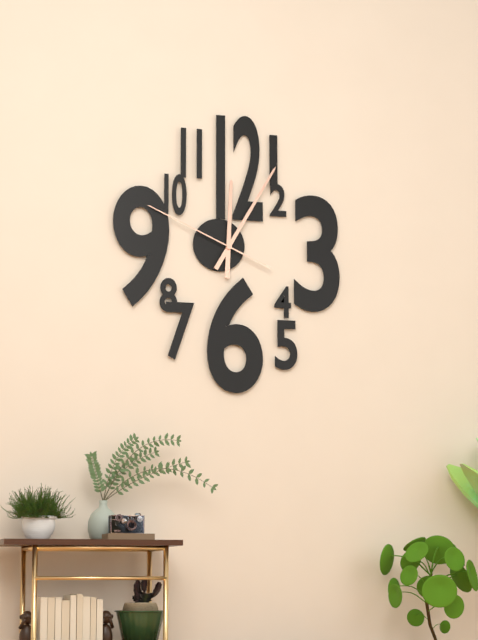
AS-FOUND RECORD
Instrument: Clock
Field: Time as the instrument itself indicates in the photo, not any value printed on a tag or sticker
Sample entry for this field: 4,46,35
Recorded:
12,05,49
